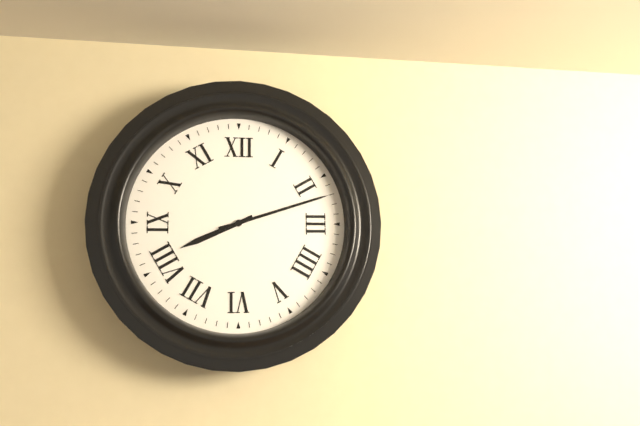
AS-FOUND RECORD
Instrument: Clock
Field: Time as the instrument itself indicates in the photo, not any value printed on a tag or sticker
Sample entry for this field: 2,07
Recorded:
8,12
